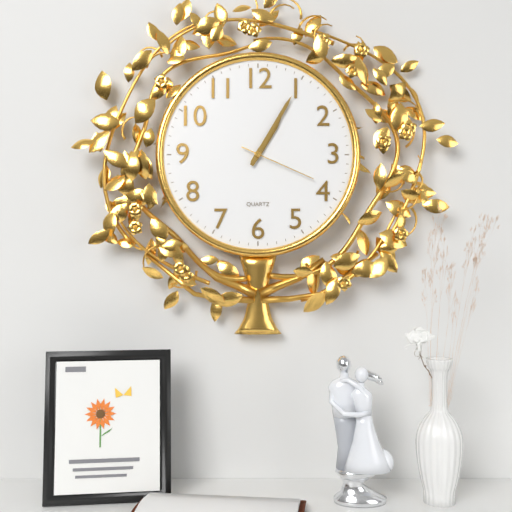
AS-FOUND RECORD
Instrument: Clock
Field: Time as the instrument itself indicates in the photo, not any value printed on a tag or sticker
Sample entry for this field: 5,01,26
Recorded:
1,05,19
